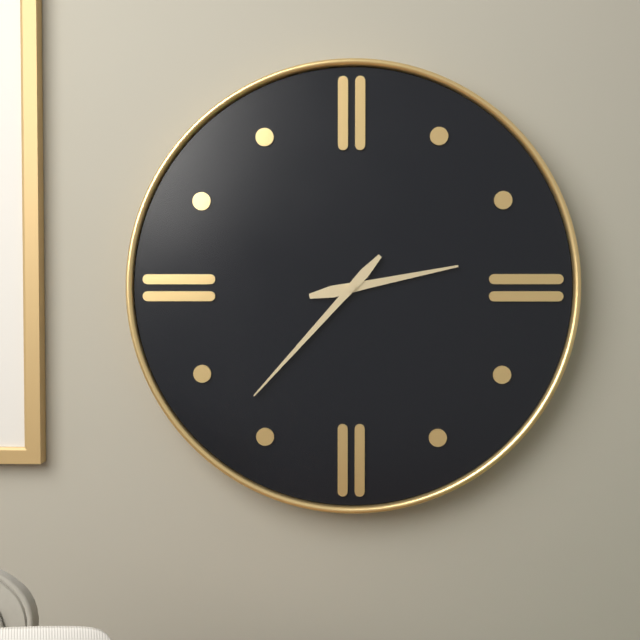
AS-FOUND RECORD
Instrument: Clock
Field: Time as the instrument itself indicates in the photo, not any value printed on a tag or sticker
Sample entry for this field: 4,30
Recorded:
2,37
